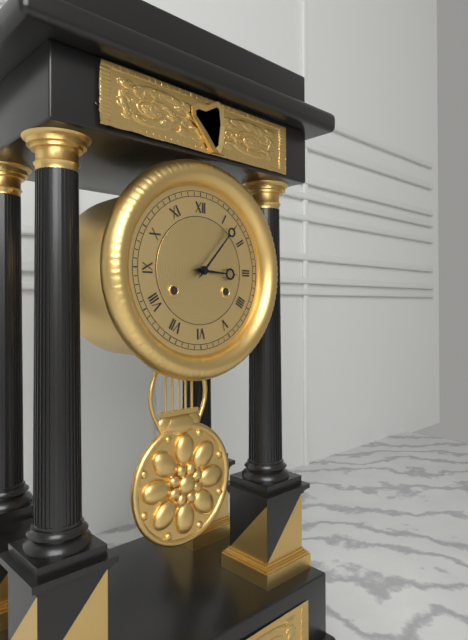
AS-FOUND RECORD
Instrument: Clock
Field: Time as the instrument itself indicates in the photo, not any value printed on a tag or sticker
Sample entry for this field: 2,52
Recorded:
3,07
